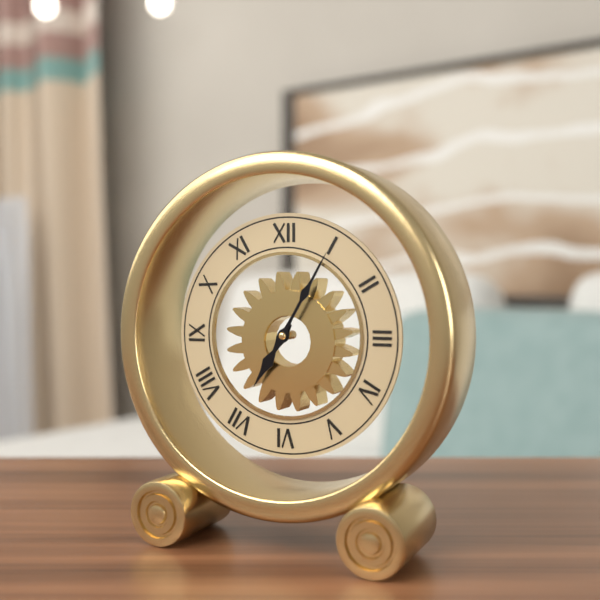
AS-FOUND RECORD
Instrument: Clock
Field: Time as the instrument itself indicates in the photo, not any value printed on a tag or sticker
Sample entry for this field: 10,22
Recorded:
7,05
